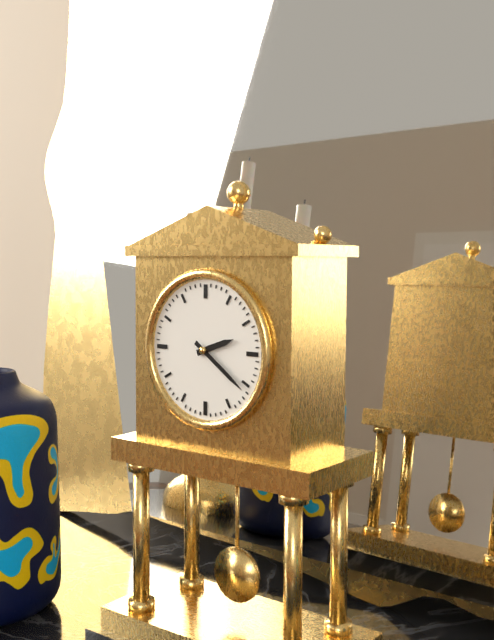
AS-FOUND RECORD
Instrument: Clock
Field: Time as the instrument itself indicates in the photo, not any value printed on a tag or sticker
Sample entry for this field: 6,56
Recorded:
2,21
